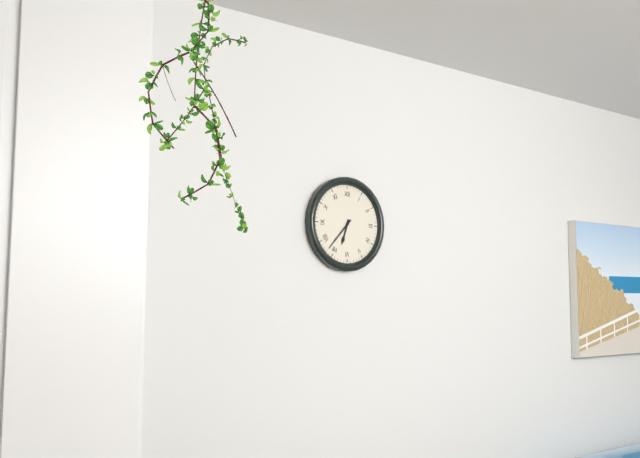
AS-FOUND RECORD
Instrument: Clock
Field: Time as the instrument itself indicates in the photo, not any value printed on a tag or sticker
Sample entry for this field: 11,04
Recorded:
6,37
